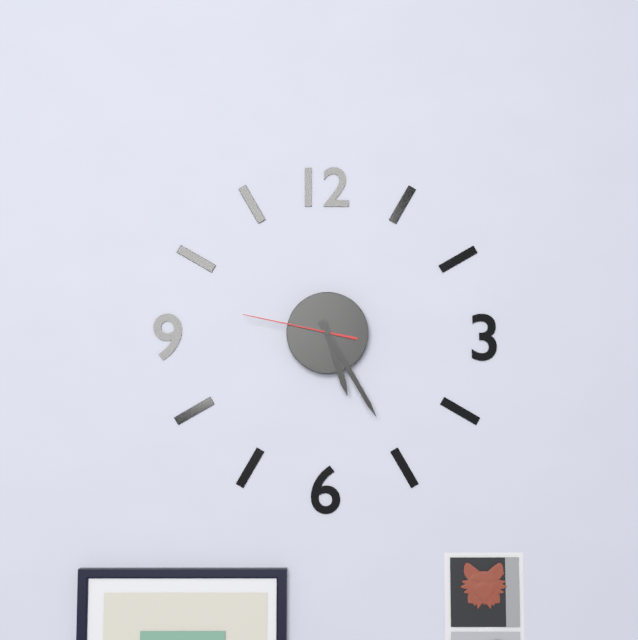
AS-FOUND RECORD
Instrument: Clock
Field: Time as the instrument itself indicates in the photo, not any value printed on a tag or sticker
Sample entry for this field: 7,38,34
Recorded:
5,25,47
